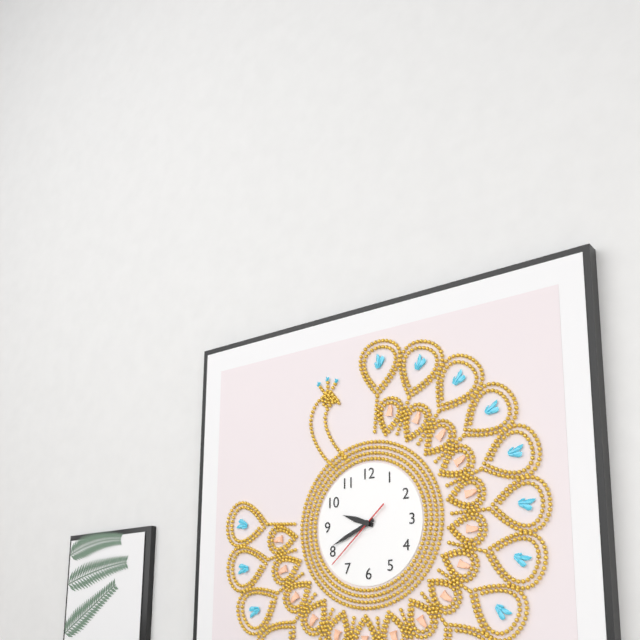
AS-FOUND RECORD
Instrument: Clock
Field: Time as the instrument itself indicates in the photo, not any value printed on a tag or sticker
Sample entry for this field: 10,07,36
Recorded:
9,41,38
